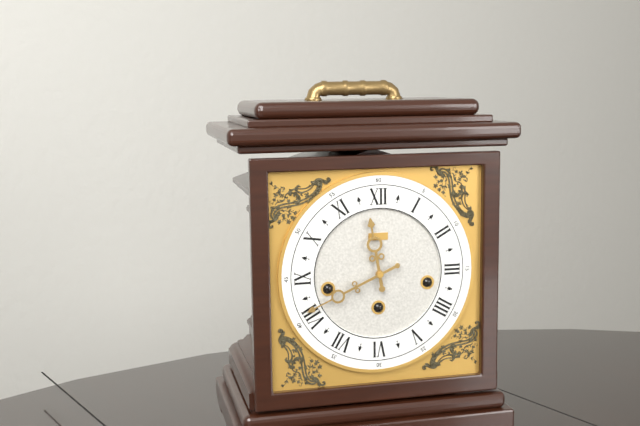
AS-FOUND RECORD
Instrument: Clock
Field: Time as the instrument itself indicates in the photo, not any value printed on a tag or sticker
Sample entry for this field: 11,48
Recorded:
11,41
